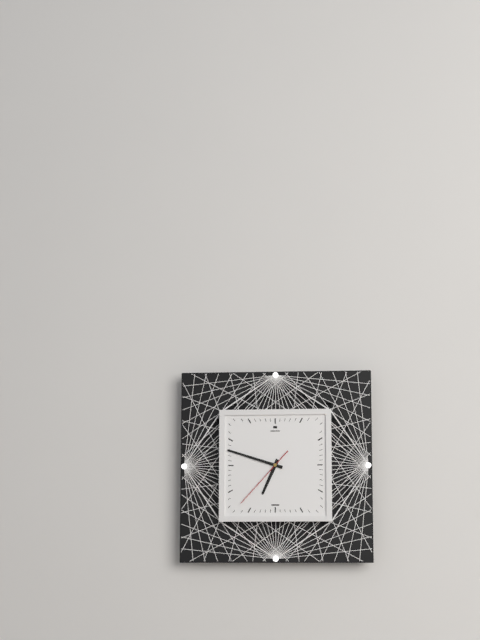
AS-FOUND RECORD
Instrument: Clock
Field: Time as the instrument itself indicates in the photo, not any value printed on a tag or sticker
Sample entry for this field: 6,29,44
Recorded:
6,48,37
